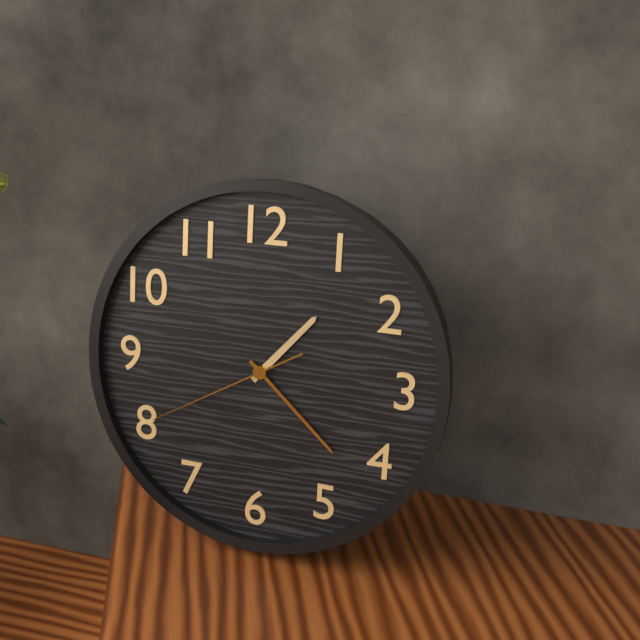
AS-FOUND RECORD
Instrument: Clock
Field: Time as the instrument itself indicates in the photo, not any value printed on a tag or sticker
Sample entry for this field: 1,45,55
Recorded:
1,22,40
